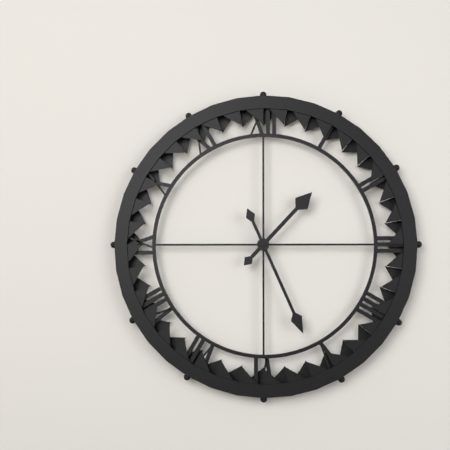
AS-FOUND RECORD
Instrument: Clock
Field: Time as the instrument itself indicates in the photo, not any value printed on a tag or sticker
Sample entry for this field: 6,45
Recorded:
1,26
